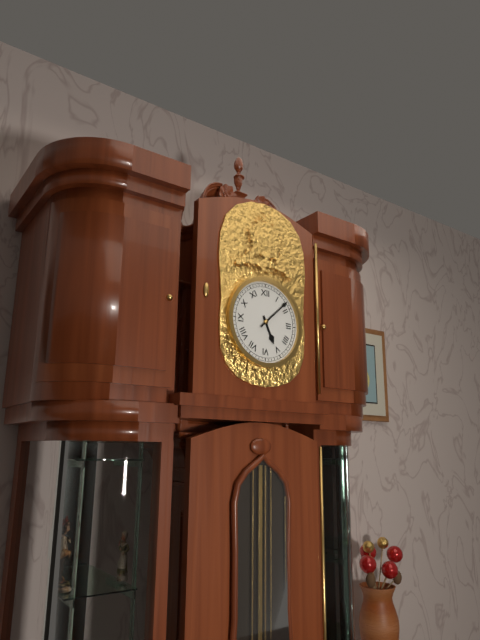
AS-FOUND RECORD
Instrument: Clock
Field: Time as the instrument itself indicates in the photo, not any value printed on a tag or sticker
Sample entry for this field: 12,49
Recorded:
5,08
